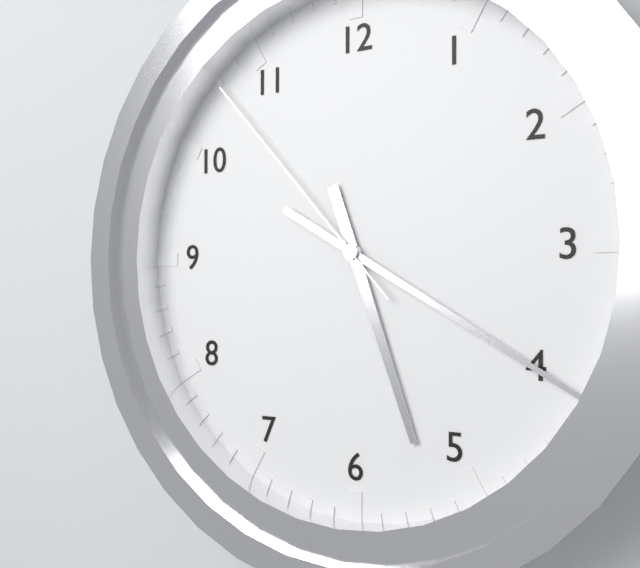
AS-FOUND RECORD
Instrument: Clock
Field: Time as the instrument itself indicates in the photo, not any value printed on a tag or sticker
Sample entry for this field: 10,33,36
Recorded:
5,20,53
